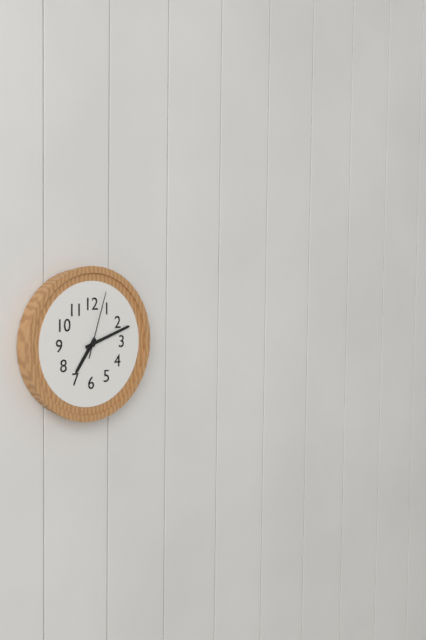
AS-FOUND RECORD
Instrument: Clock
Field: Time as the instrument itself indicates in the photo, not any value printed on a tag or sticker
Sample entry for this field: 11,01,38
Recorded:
7,12,03
